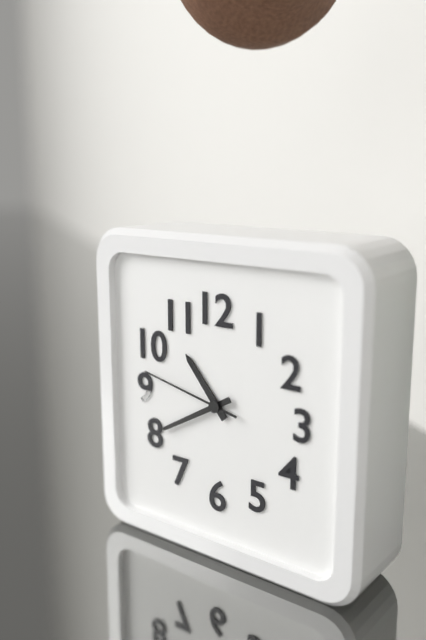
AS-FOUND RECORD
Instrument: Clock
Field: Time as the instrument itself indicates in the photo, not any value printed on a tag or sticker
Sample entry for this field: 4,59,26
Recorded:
10,40,47
